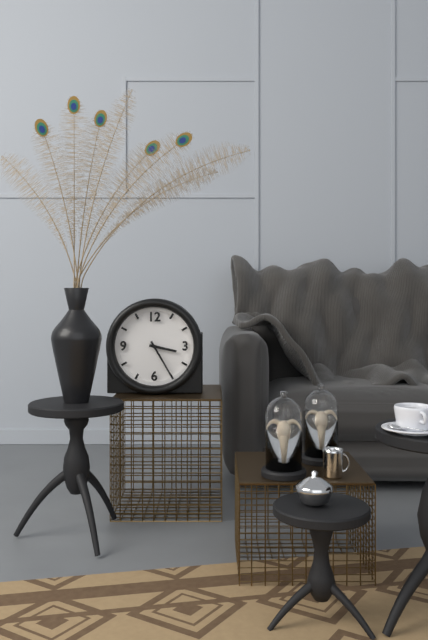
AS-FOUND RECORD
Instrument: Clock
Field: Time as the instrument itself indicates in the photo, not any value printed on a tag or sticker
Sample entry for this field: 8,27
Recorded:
3,25
